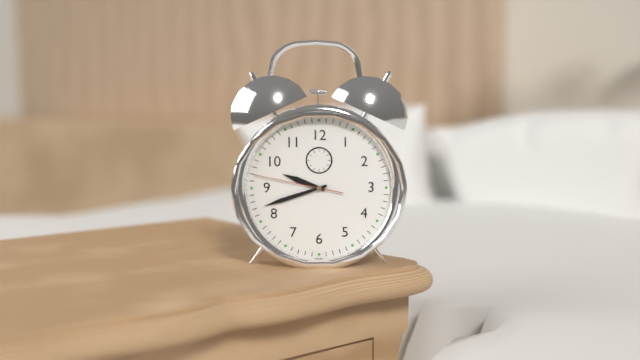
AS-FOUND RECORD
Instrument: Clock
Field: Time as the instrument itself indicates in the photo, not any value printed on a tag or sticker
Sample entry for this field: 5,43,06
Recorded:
9,42,47
